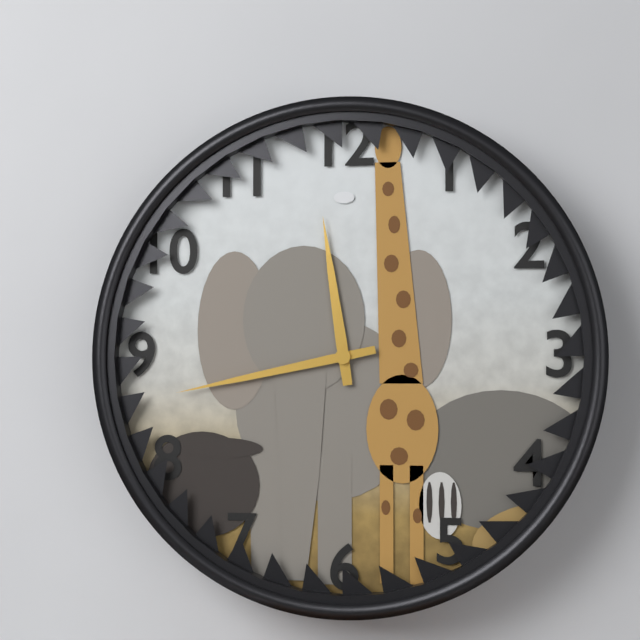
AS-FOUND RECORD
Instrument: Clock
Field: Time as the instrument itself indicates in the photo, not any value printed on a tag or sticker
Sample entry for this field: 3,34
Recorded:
11,43
